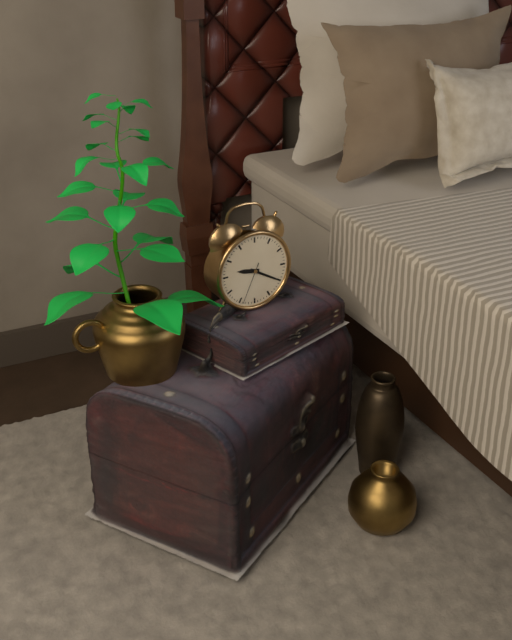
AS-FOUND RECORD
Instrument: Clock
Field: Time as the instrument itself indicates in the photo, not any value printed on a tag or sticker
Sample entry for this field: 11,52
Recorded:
9,20
